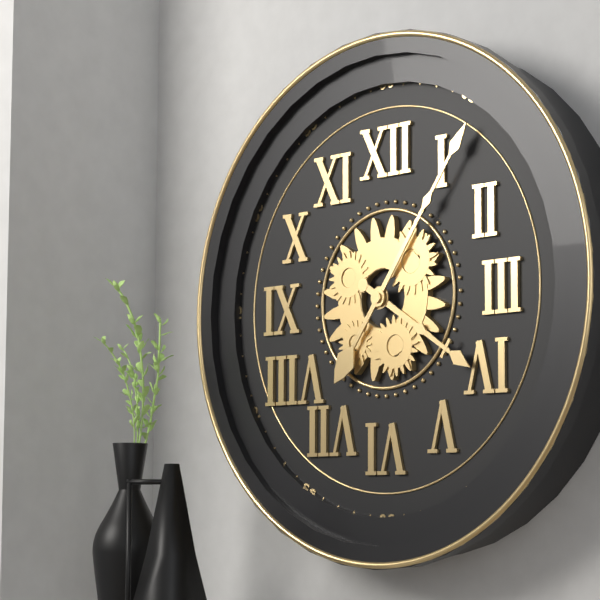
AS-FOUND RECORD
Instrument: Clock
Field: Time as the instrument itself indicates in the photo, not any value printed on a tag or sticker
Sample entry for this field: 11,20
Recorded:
4,06
